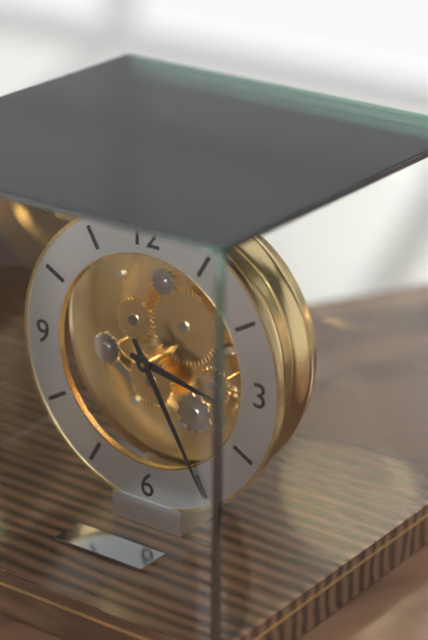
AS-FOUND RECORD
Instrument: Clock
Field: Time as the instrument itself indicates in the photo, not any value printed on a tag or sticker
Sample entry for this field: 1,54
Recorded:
3,25
